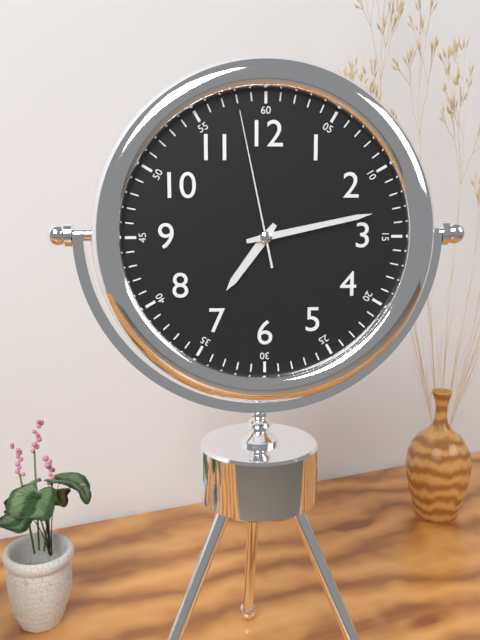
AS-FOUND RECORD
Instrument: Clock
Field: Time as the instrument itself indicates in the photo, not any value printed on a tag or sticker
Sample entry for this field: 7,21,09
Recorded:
7,13,58
